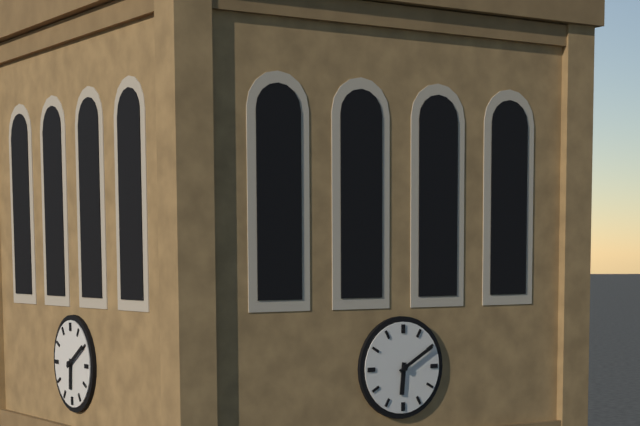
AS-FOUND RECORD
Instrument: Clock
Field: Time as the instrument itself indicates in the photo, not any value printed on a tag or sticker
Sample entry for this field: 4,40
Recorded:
6,10
